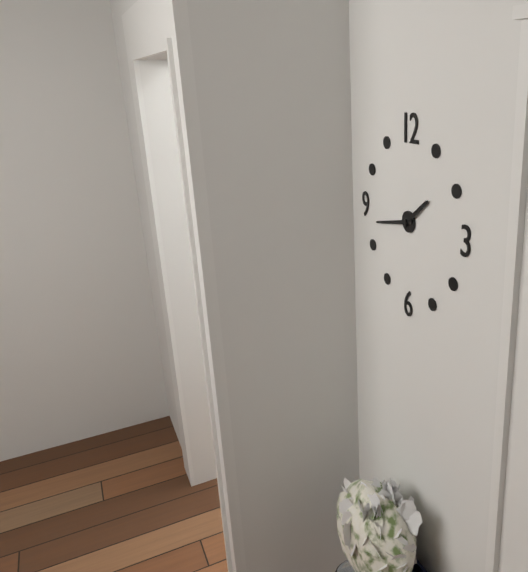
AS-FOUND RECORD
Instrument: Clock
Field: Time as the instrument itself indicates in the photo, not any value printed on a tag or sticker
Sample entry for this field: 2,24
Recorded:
1,43
